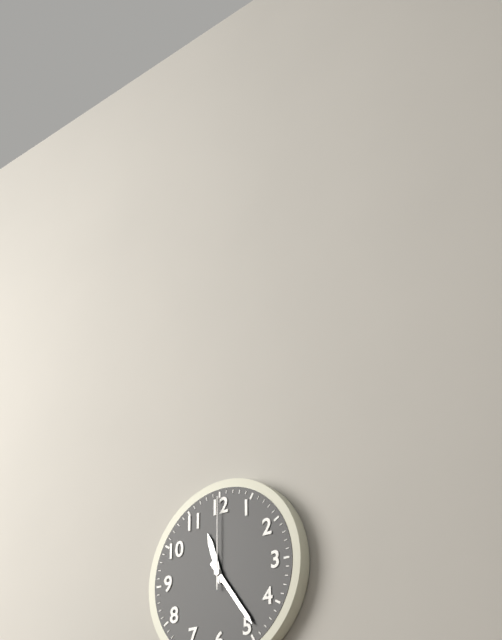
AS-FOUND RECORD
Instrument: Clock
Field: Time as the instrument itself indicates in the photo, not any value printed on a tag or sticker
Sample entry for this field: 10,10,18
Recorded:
11,24,00
